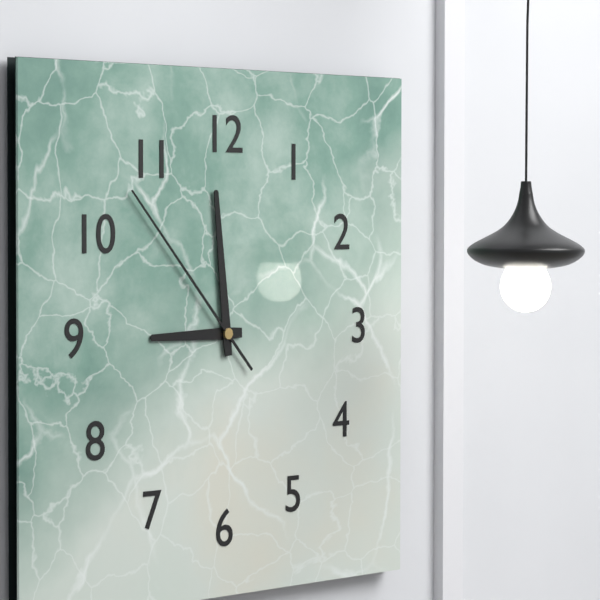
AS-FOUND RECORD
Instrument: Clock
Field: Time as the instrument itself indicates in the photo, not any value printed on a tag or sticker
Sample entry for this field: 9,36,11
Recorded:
8,59,53
